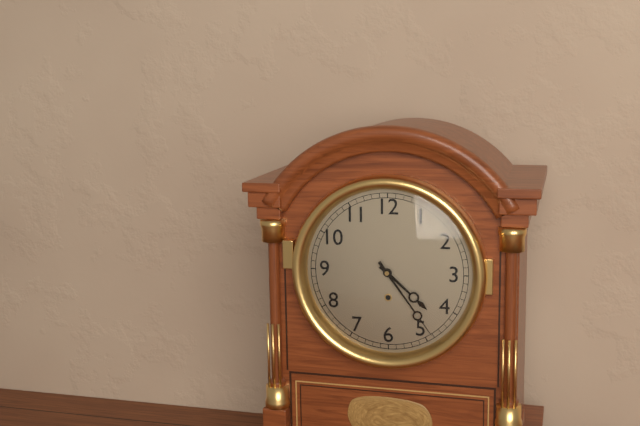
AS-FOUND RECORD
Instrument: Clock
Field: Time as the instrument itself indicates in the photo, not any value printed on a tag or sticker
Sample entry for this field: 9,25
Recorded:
4,24
